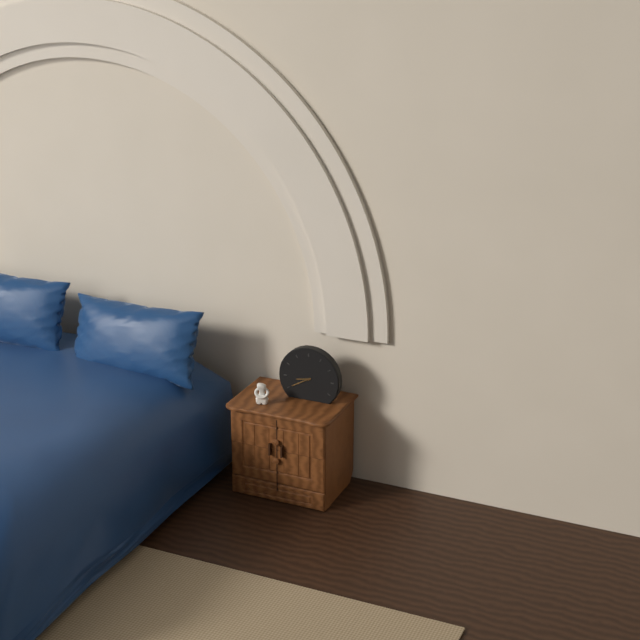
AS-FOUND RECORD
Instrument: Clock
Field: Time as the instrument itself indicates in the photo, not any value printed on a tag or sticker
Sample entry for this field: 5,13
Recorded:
8,40
